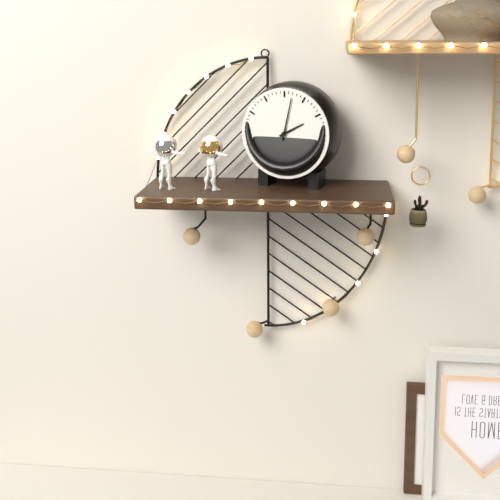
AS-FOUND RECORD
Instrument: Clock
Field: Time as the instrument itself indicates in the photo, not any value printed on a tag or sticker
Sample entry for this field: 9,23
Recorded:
2,02
